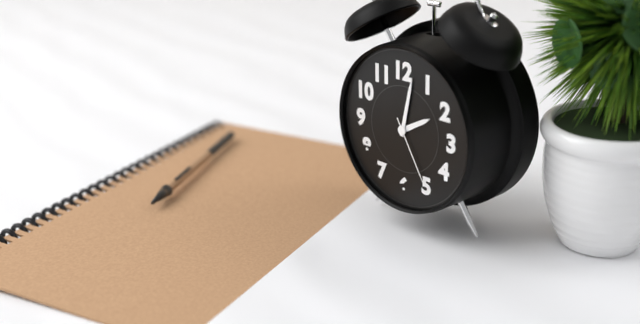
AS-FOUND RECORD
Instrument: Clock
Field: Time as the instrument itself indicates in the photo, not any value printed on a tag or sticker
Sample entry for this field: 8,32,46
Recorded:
2,02,25
